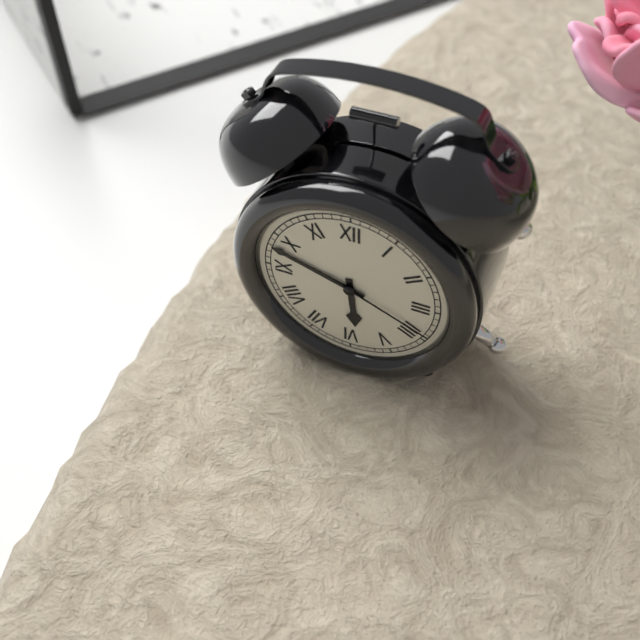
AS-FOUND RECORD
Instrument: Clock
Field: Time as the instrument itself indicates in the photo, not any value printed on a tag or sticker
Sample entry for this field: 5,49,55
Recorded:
5,48,19
